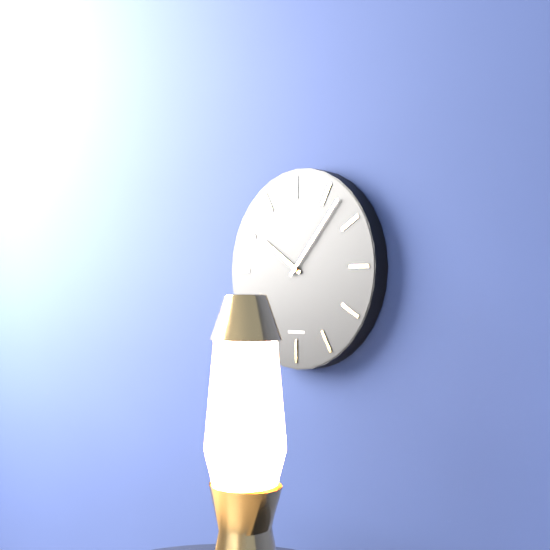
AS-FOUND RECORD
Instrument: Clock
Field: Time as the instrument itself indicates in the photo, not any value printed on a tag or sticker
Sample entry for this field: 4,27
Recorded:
10,07
